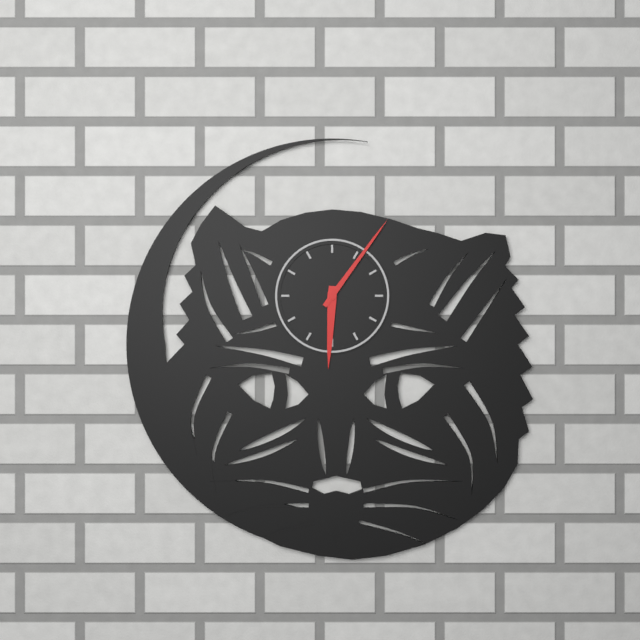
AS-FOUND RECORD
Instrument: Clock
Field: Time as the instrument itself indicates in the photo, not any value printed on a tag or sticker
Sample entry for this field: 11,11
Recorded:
6,06
